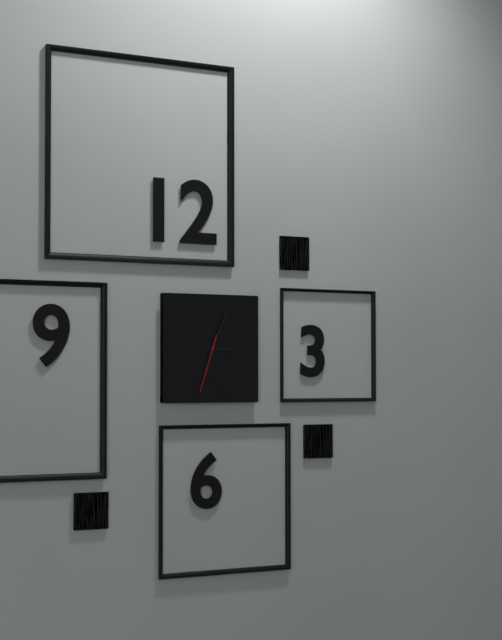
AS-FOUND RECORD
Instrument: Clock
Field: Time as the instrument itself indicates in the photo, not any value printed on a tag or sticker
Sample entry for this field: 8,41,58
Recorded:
3,04,33
